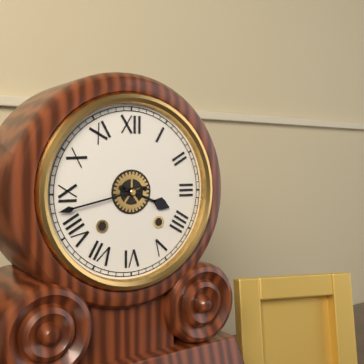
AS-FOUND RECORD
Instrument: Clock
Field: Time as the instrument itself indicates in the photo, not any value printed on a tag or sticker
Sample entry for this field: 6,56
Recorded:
3,43
